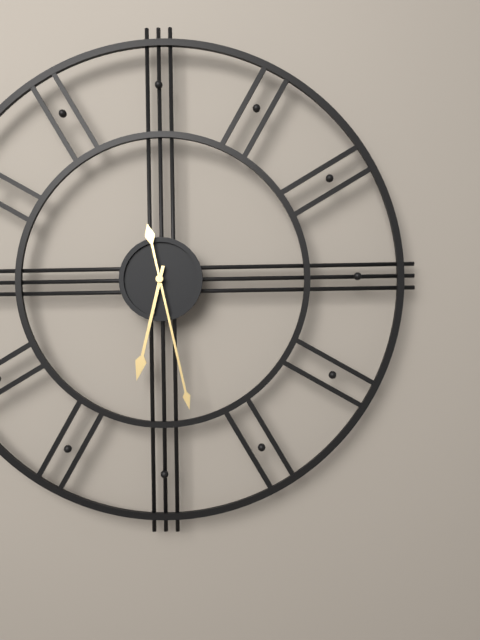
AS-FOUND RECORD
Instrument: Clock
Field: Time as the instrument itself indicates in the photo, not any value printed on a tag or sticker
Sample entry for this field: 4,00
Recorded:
6,28
